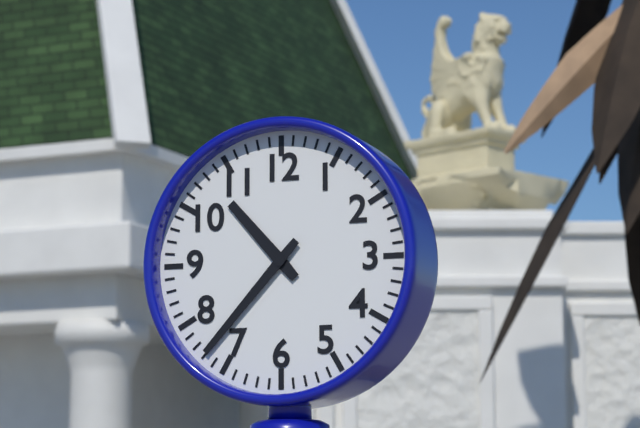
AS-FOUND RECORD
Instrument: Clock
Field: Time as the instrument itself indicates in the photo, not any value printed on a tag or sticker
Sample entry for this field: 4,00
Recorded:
10,37
